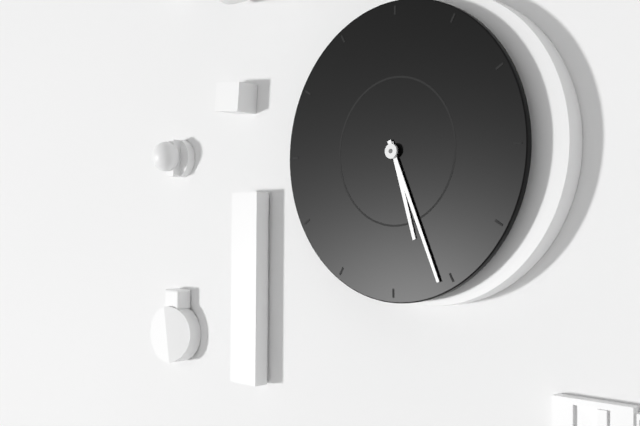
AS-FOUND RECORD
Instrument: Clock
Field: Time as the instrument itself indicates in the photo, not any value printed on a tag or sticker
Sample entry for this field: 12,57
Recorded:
5,26
